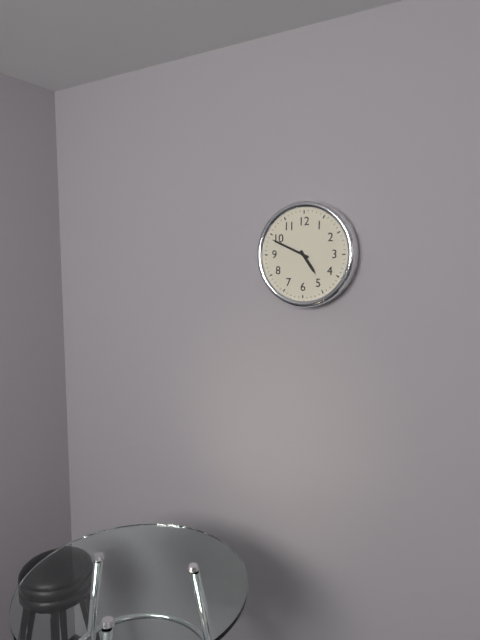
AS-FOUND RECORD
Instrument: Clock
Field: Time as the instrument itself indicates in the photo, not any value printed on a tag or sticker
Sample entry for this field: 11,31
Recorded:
4,49
